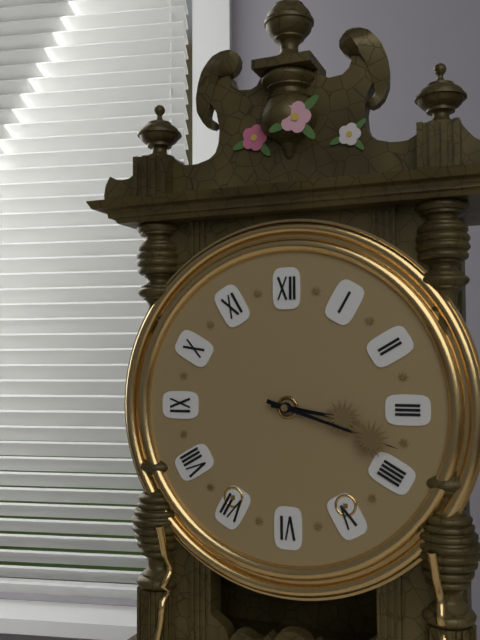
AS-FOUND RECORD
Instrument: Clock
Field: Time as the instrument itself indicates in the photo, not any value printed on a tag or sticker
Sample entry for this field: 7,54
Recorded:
3,18
